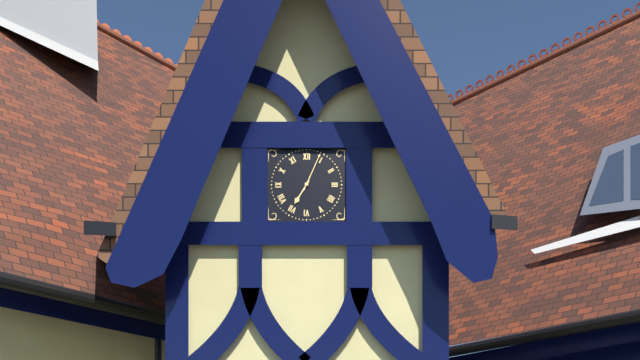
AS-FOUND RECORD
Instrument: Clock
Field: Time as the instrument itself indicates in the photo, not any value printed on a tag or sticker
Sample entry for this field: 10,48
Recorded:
7,04
